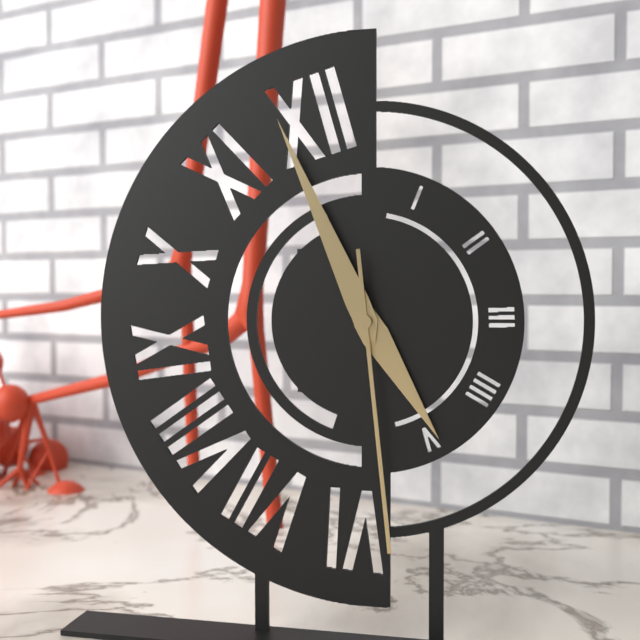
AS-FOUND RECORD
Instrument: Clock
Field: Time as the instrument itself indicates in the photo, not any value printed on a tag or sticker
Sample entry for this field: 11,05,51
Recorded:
4,56,29
